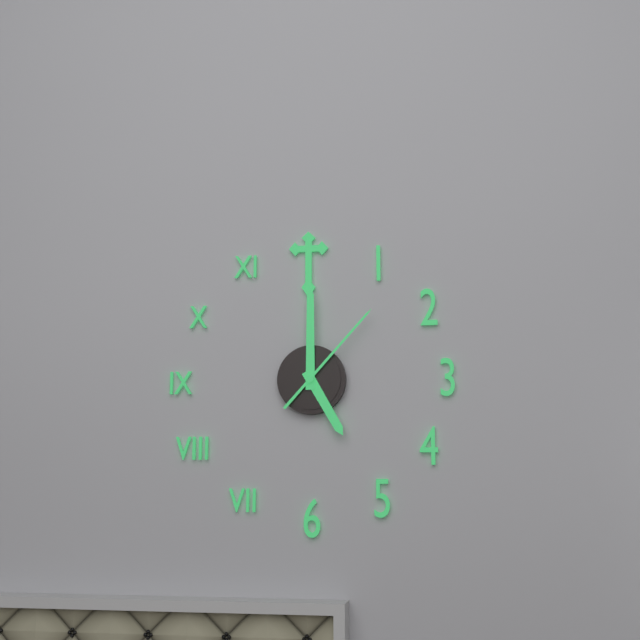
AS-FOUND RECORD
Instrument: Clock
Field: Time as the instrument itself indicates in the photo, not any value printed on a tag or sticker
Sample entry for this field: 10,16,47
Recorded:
5,00,07
